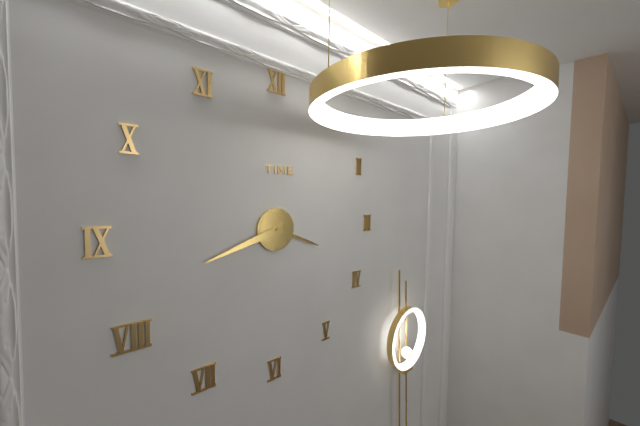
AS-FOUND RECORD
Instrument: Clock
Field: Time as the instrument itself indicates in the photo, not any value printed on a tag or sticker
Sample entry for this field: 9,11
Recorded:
3,42
